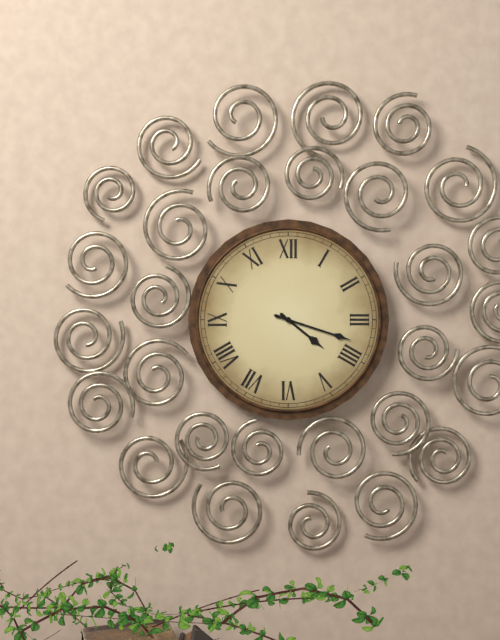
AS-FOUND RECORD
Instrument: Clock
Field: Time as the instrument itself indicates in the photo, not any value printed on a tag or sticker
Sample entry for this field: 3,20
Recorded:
4,18
